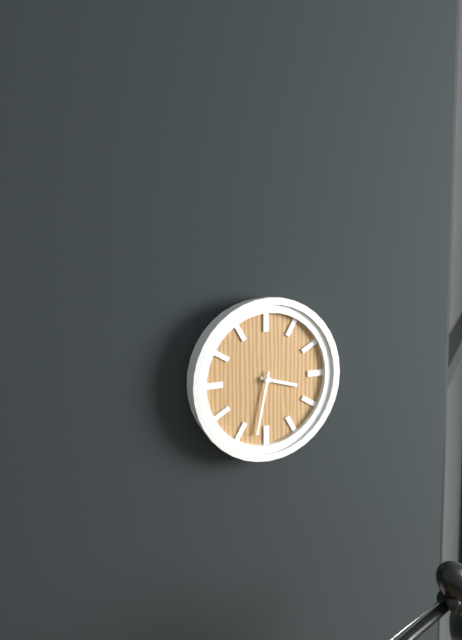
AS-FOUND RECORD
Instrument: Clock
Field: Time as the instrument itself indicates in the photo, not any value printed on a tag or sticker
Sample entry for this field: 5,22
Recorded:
3,32
